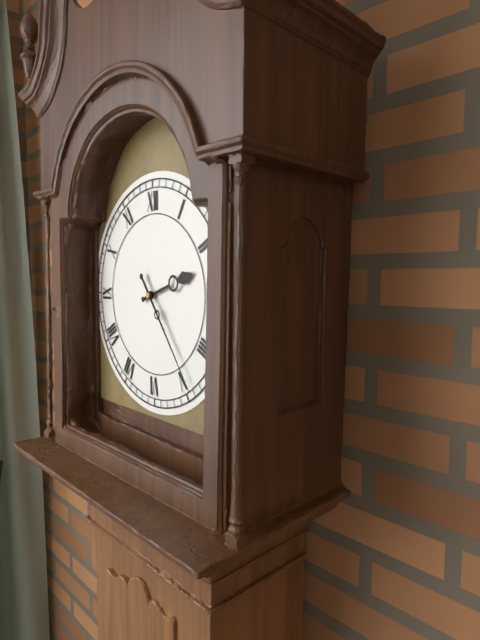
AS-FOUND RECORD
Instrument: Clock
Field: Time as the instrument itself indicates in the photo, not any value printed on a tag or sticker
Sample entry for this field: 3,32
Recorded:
2,24
